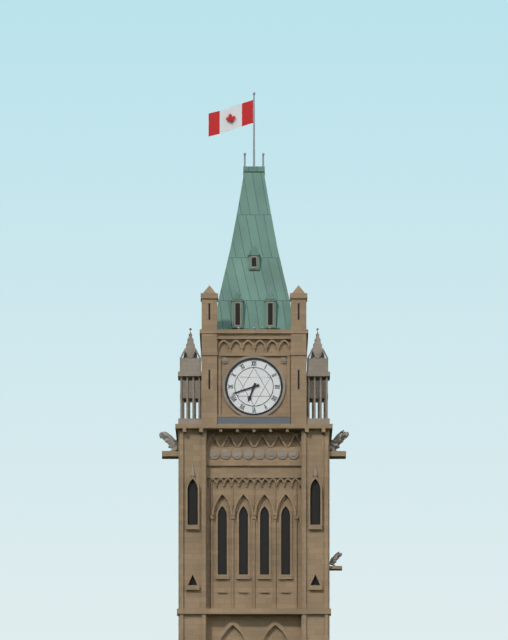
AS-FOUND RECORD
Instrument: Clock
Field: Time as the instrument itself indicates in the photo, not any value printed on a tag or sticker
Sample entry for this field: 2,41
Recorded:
6,42
